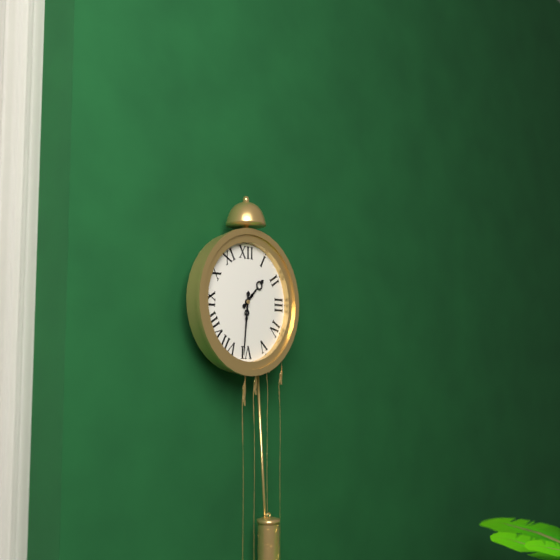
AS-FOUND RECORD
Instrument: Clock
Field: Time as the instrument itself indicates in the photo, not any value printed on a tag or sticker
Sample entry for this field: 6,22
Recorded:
1,31
